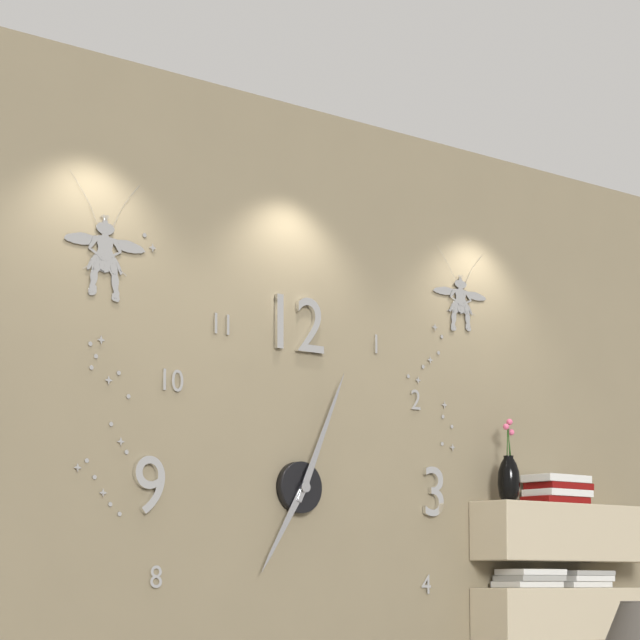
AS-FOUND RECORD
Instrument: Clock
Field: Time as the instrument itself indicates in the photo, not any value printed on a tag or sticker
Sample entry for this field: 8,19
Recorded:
7,04
